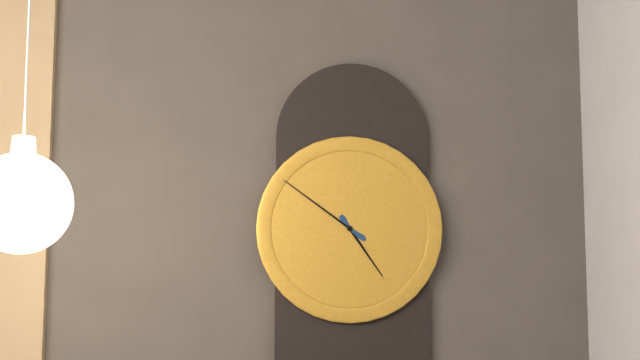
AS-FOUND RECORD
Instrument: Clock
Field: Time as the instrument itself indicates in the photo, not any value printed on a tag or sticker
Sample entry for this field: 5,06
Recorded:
4,51
